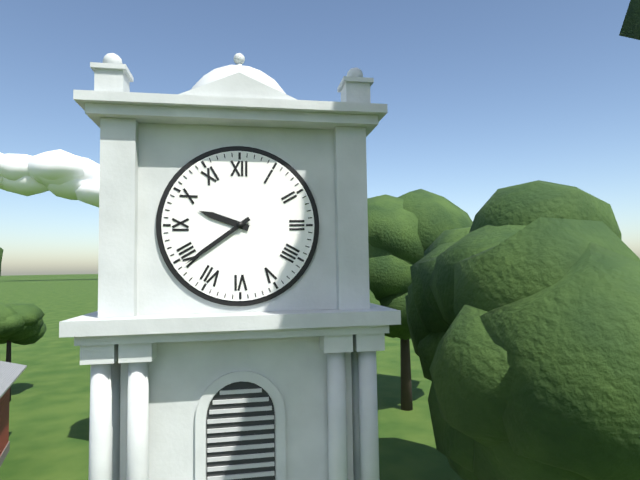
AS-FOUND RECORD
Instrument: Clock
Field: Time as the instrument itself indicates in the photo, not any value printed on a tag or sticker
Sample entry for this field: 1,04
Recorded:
9,39
